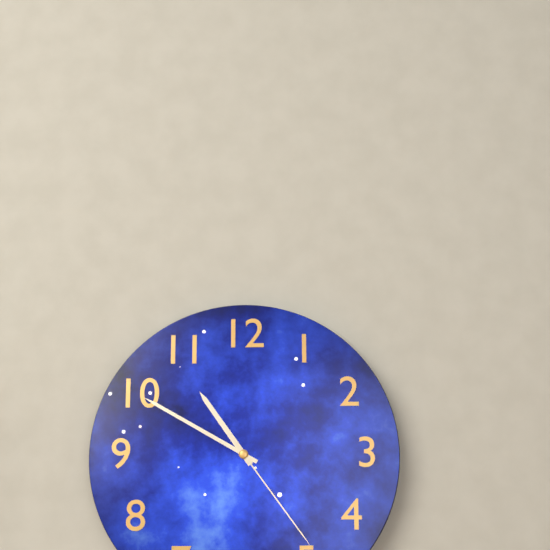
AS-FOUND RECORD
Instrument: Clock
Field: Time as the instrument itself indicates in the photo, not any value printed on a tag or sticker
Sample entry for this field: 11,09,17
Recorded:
10,50,24
